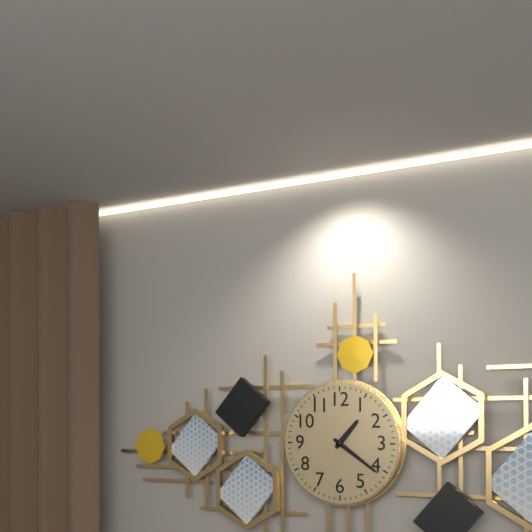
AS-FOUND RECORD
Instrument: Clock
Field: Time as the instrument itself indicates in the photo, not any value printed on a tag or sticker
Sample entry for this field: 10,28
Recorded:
1,21
